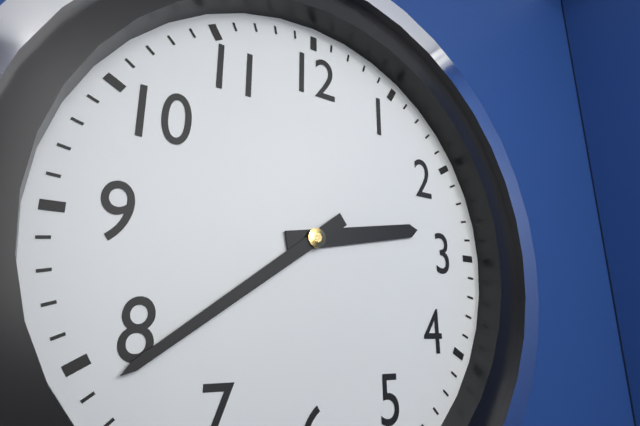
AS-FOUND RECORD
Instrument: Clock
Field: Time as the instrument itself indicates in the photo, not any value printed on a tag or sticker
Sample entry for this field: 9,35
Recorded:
2,39
